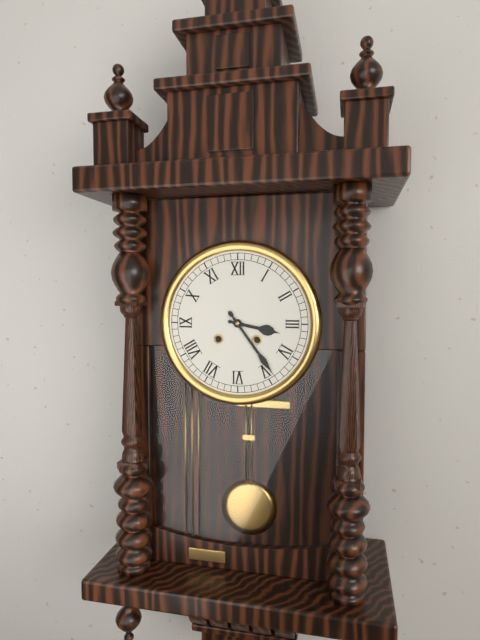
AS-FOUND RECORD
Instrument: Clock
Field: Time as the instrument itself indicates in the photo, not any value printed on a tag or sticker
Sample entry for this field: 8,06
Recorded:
3,24
